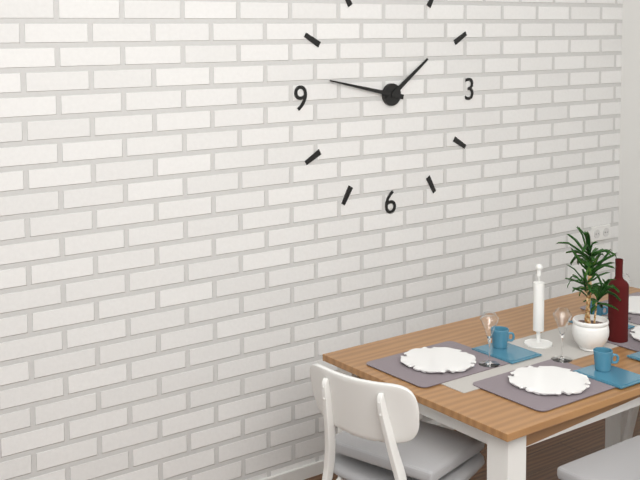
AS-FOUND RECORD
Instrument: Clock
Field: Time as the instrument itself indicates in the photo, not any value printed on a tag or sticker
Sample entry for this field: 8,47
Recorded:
1,47
